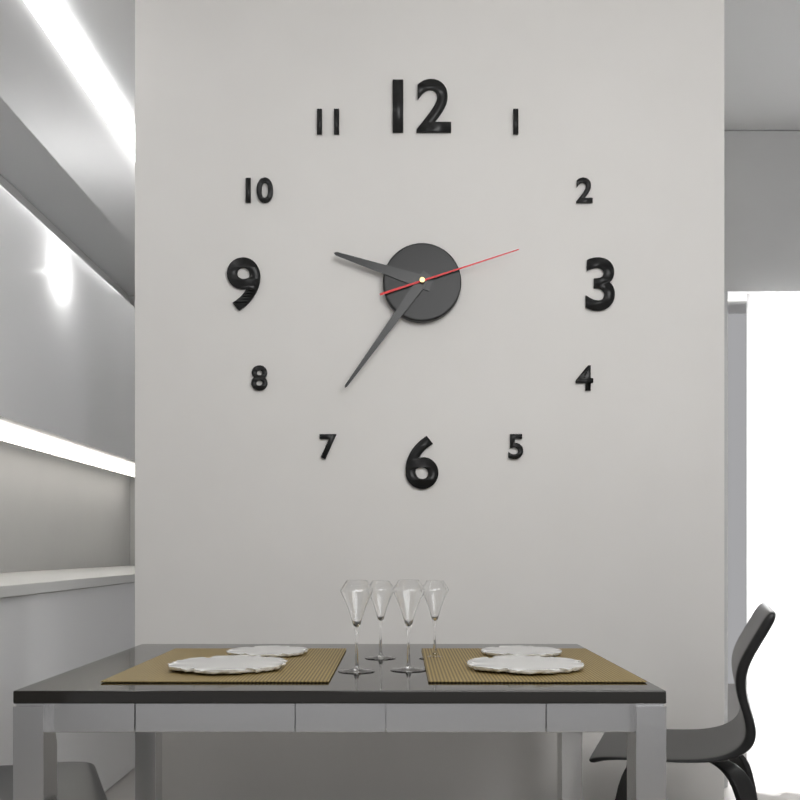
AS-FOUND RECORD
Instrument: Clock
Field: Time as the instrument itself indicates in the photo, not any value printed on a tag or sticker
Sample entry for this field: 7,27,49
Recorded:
9,36,12
